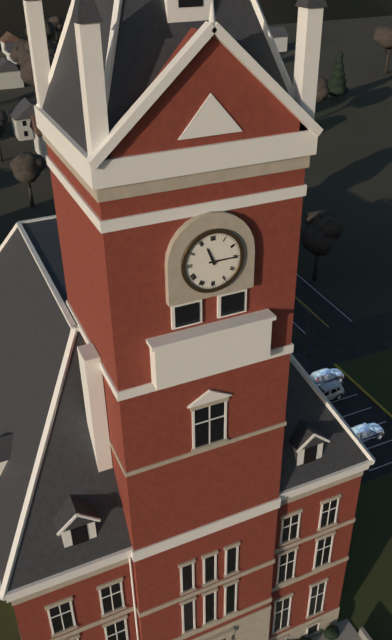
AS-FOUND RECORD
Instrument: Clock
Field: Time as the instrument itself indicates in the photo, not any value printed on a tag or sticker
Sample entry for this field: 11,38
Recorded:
11,15
